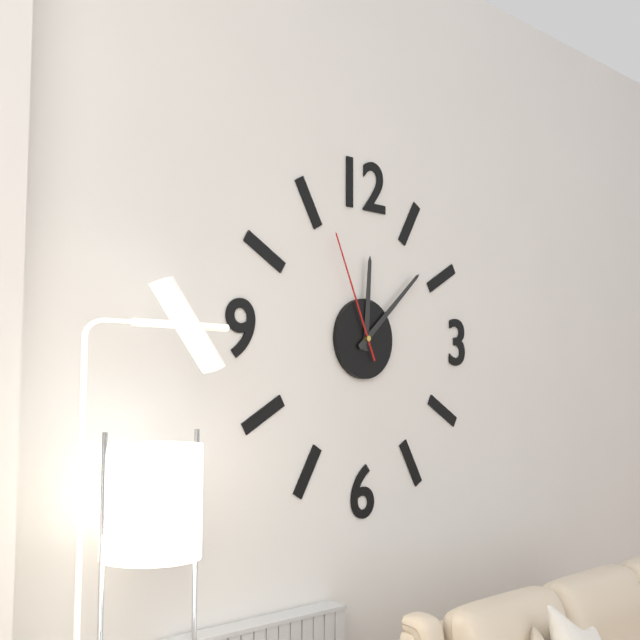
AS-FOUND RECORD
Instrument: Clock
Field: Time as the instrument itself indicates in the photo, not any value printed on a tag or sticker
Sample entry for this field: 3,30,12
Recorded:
12,08,56
